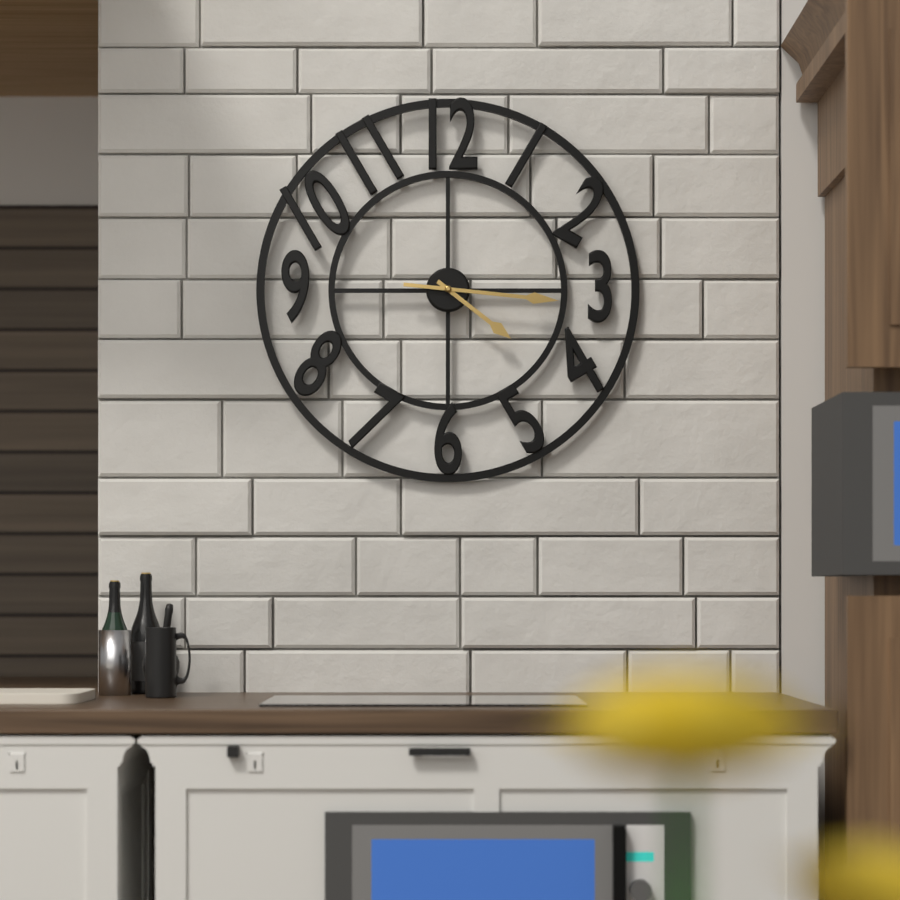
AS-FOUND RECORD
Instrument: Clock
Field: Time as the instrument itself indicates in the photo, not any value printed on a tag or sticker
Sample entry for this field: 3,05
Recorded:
4,16
